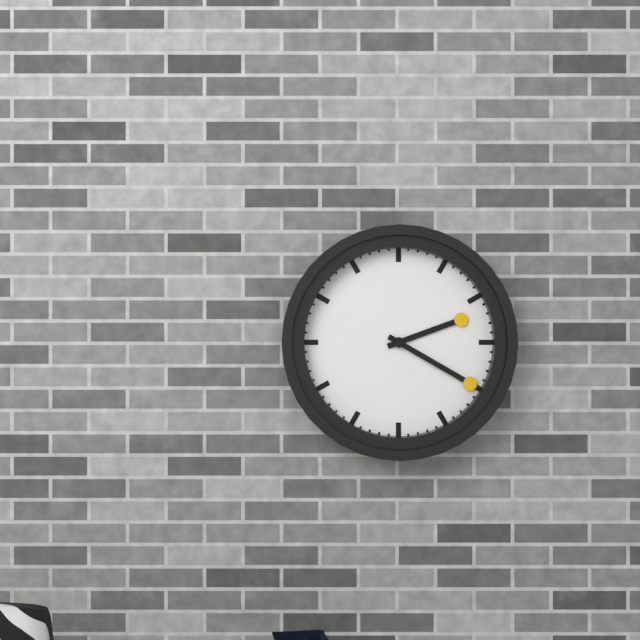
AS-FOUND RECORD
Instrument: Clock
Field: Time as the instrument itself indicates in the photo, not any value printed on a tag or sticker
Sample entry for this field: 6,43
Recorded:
2,20
